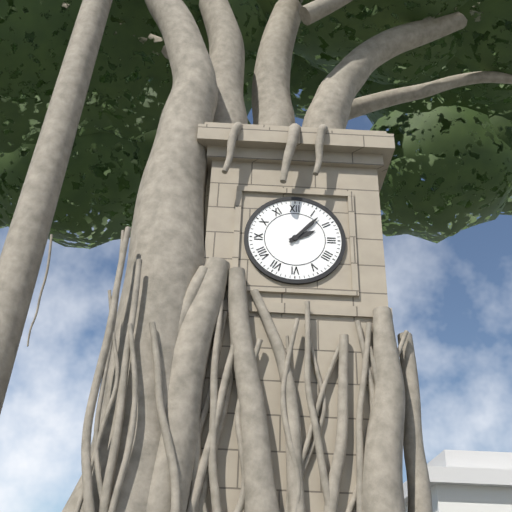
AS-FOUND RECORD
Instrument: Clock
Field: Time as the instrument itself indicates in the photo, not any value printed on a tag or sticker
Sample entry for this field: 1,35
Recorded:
2,07
